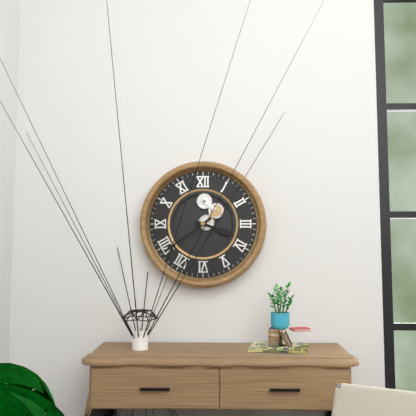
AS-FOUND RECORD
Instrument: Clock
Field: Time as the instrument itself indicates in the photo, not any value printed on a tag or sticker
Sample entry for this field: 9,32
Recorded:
3,39
